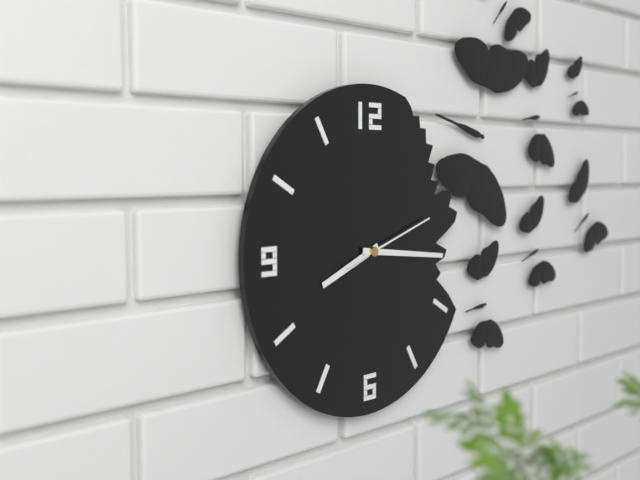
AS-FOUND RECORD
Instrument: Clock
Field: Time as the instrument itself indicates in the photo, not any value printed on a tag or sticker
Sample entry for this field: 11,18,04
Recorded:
8,16,12
